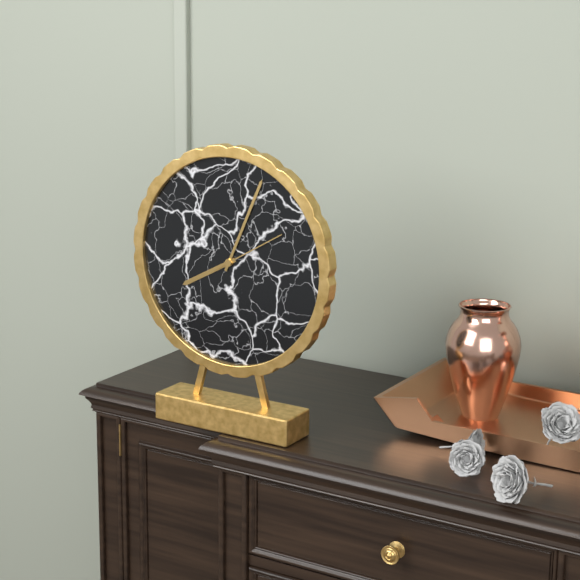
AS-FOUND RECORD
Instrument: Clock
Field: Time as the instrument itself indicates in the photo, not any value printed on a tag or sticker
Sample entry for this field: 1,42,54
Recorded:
8,04,10
